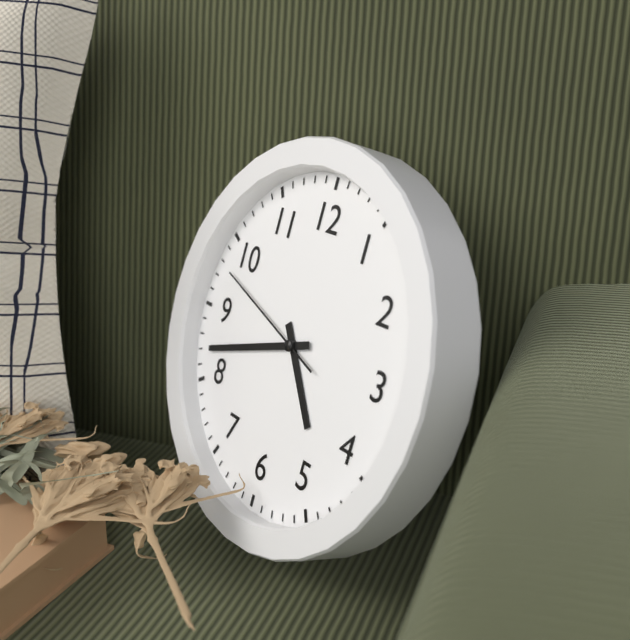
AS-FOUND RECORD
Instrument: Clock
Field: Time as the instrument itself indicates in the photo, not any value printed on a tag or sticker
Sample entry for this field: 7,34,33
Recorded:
4,42,48
